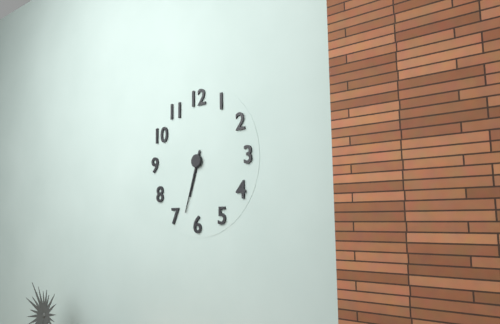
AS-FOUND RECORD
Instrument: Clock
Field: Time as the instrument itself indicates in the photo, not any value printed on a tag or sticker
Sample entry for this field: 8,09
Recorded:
6,33
